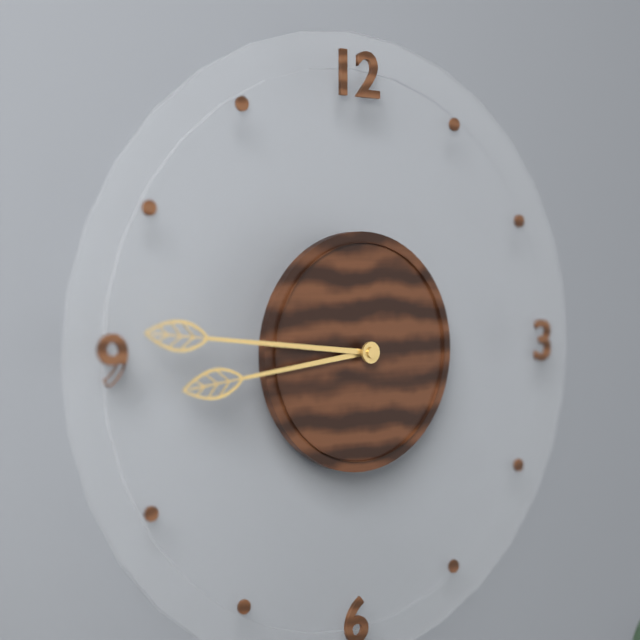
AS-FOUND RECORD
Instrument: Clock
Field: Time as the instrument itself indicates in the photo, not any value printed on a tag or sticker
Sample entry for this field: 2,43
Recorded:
8,46
